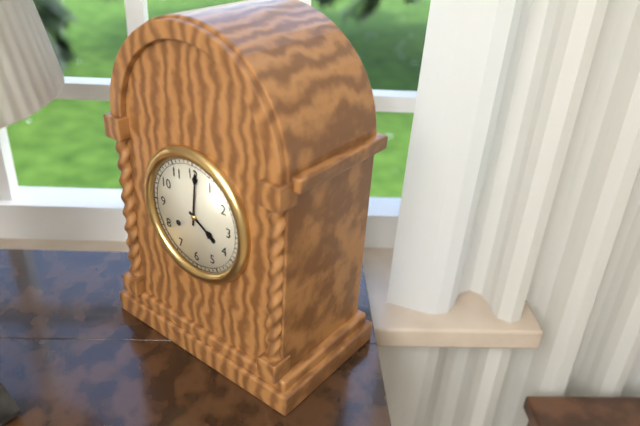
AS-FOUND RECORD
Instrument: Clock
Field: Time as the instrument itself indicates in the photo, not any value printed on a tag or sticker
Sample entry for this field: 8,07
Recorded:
4,01
